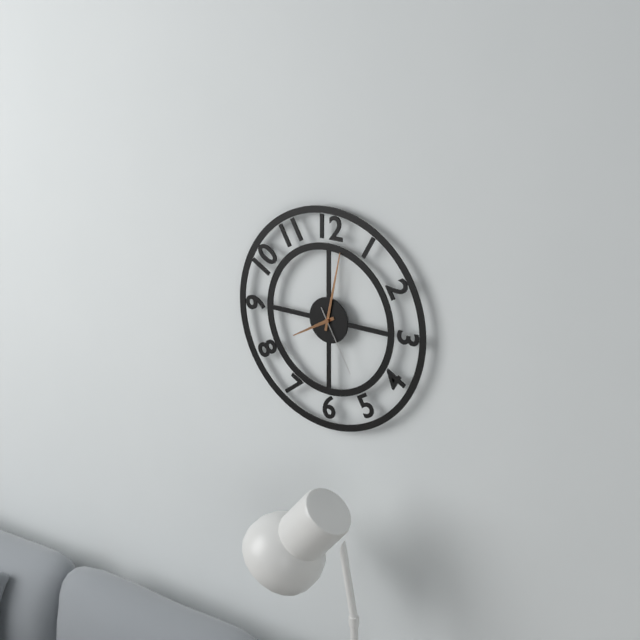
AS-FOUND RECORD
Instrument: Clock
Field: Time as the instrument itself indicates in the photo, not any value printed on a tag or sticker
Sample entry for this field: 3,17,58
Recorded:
8,02,25
